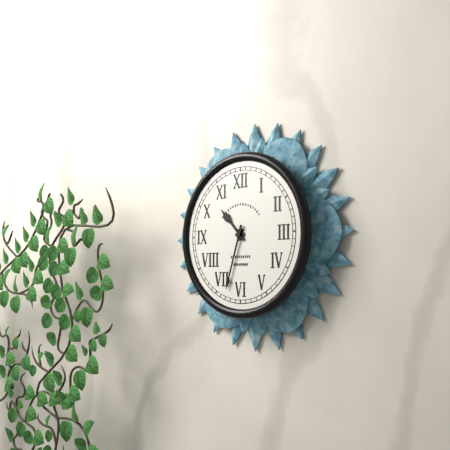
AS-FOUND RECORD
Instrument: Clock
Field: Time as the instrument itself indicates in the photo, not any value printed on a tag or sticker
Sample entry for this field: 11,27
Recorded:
10,33
